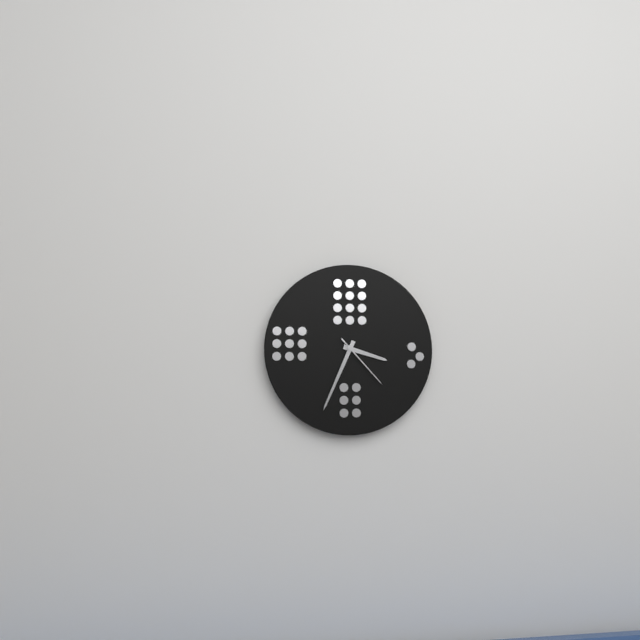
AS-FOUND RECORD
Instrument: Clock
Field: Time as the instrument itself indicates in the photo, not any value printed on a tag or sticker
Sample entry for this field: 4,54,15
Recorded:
3,34,23
